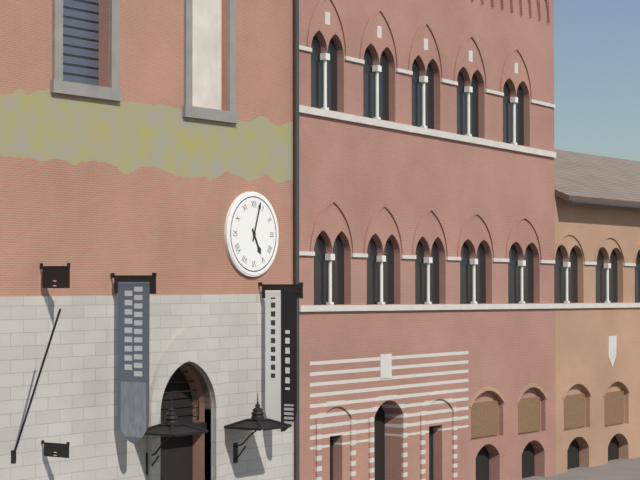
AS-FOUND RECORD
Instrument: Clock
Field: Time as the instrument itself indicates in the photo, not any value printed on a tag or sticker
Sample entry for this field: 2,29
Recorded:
5,03
